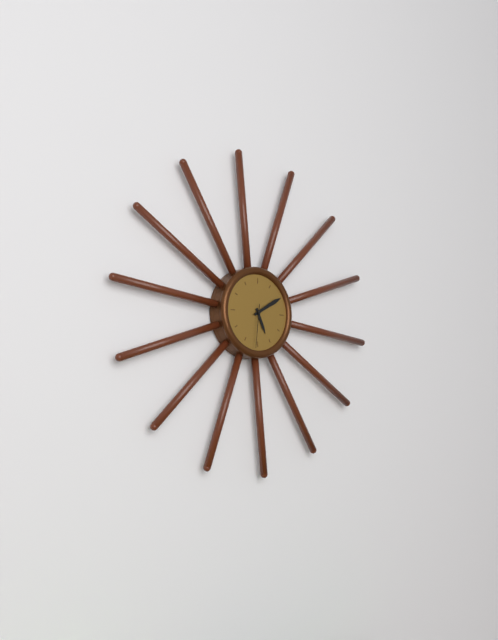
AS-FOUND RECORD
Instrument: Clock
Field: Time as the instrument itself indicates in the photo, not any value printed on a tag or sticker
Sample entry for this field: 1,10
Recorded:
5,10
